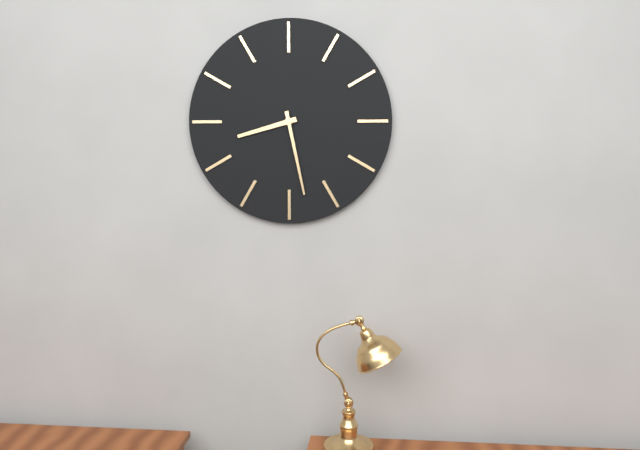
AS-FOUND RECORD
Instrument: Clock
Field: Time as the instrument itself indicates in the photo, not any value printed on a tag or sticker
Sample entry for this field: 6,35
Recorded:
8,28
